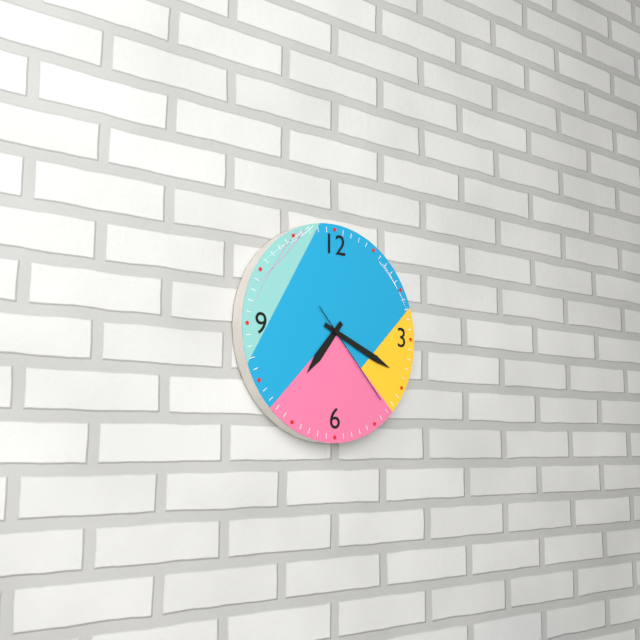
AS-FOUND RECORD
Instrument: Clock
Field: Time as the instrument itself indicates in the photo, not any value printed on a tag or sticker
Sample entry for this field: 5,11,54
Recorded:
7,19,23
